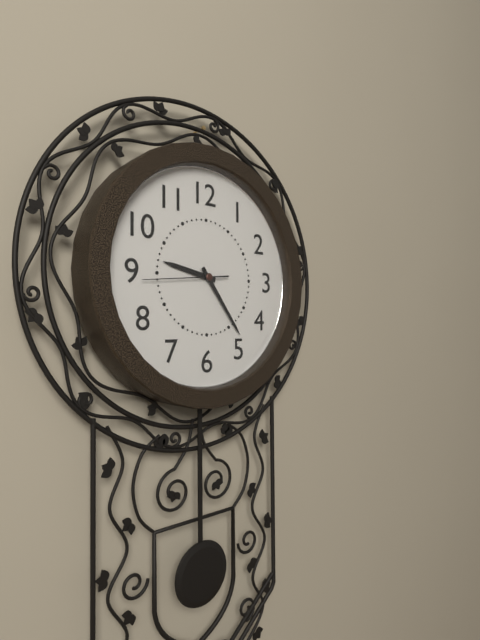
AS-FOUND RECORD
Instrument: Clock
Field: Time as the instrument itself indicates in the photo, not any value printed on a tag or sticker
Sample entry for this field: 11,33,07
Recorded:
9,24,44
